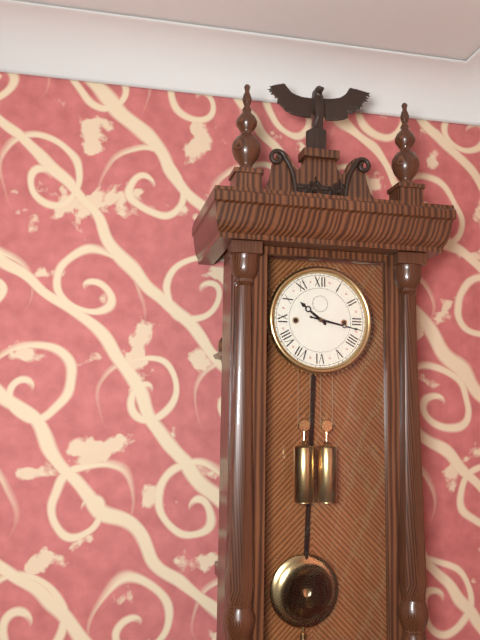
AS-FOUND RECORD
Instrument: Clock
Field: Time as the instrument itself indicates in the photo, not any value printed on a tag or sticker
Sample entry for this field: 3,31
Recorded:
10,17
